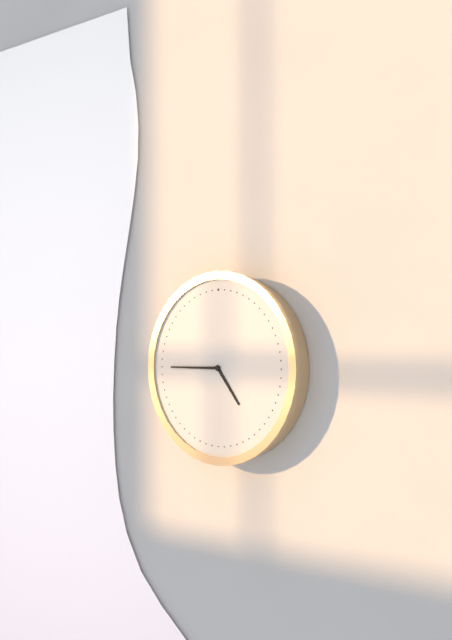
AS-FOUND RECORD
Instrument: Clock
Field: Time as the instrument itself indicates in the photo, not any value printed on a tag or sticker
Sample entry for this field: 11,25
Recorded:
4,45
